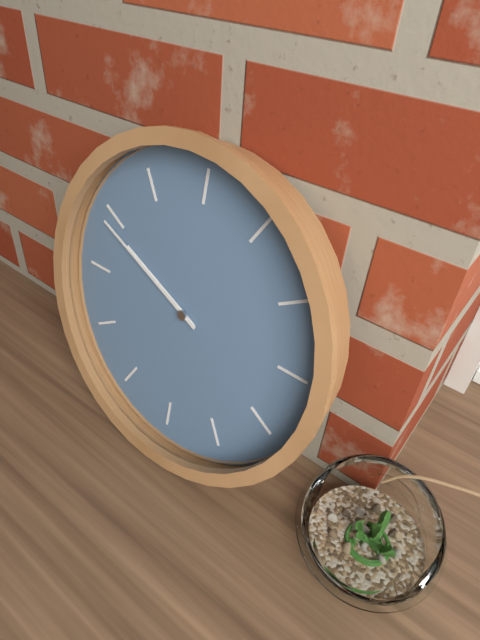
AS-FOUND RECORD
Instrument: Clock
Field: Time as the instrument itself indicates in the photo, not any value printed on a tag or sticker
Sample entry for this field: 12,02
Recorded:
9,49
